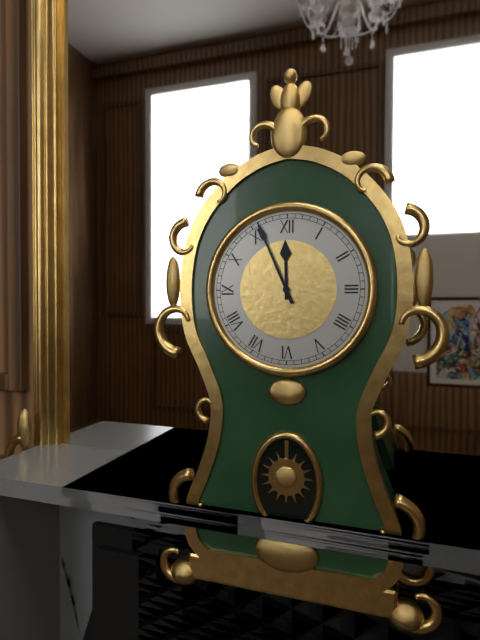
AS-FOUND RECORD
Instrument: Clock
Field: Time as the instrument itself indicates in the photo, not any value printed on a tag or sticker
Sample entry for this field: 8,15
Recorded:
11,56
